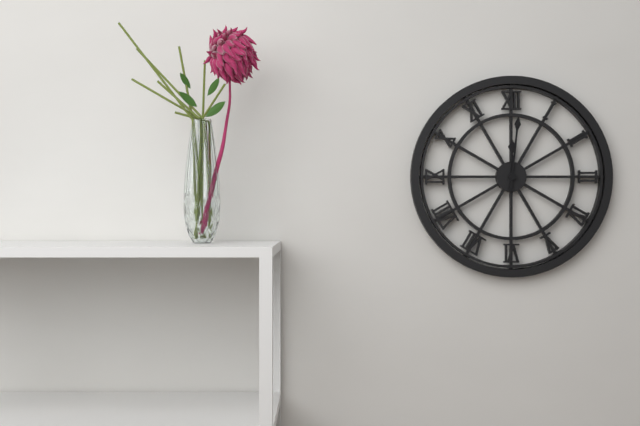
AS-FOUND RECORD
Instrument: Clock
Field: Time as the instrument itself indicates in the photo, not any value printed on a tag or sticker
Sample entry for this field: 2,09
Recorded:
12,01
